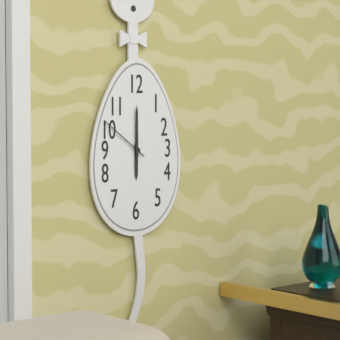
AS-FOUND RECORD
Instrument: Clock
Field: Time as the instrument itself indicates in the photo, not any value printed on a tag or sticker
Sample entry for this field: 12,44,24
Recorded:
6,00,51
